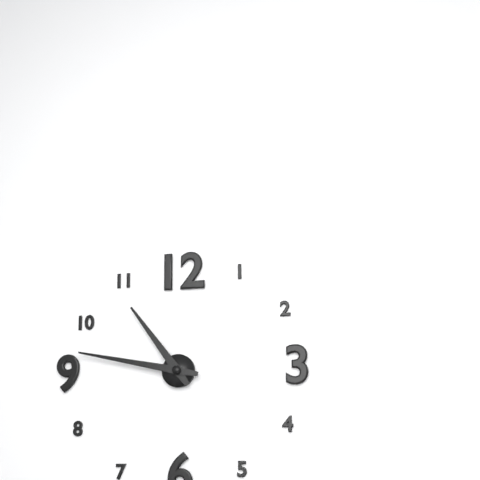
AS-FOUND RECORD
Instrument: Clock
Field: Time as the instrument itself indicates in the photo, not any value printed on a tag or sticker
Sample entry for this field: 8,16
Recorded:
10,47
